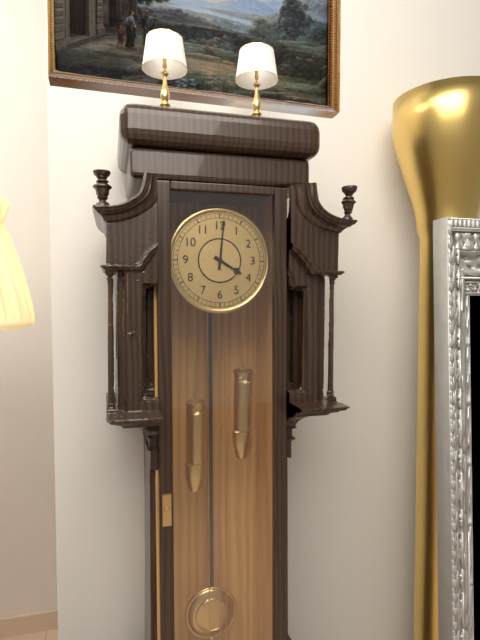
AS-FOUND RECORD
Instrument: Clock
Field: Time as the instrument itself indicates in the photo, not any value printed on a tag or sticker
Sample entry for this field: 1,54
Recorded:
4,01
